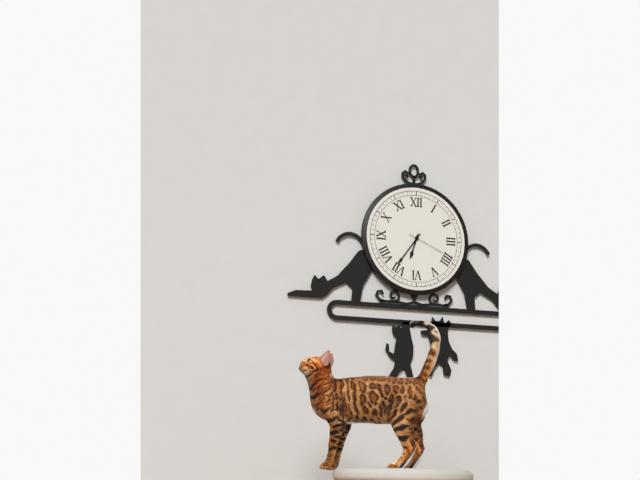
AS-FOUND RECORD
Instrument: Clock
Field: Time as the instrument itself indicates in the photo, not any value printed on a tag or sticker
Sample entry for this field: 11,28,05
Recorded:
6,36,19
